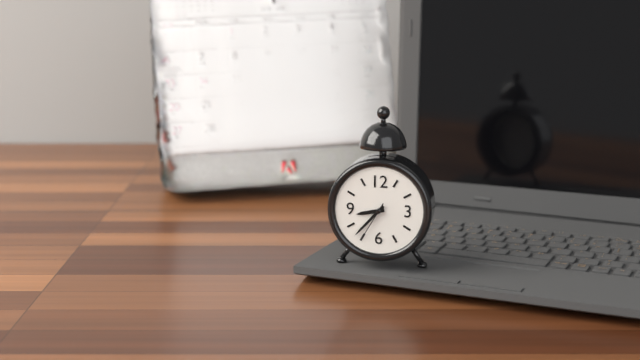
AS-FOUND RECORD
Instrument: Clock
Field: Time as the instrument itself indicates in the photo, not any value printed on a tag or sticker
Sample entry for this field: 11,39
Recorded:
8,37
